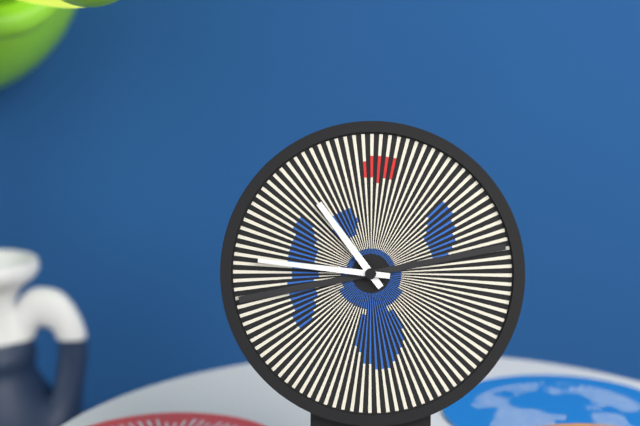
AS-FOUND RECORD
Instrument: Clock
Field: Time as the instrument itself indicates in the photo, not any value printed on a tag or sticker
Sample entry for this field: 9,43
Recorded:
10,46
